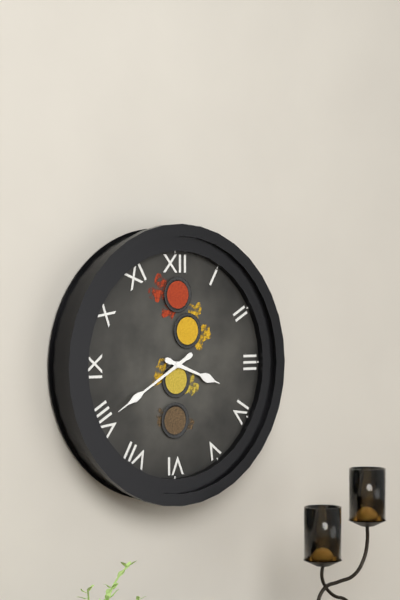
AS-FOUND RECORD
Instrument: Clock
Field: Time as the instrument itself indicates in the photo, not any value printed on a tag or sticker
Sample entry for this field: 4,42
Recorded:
3,40
